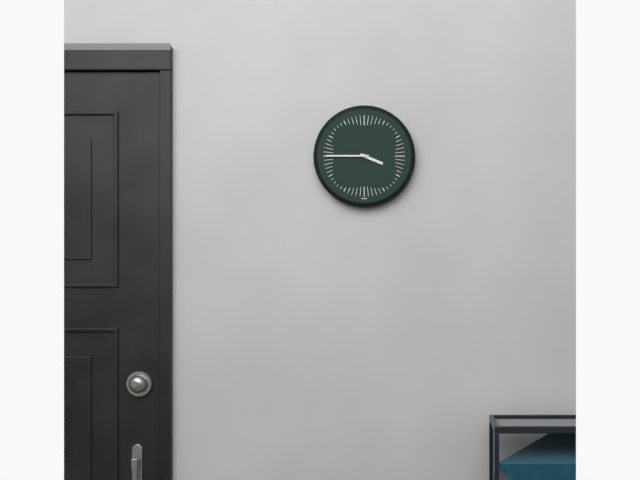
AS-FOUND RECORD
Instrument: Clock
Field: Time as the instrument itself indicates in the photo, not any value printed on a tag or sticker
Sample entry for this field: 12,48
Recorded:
3,45
